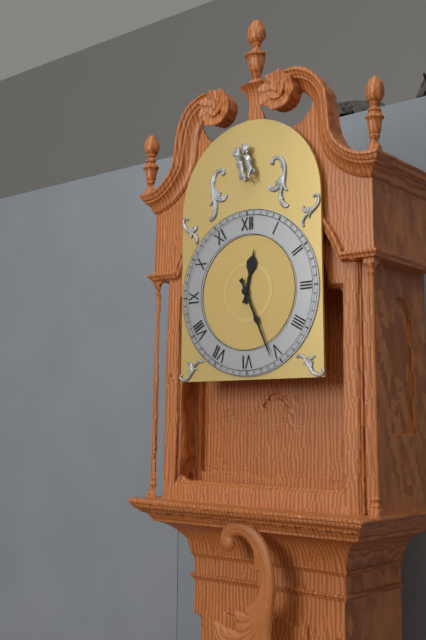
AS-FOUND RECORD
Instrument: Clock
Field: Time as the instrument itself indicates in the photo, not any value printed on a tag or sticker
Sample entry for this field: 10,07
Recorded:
12,26
